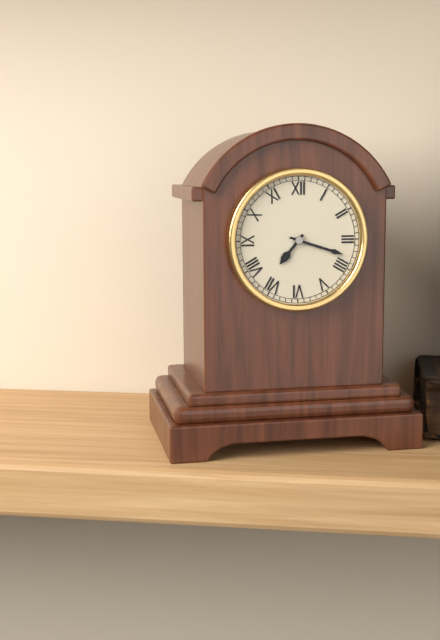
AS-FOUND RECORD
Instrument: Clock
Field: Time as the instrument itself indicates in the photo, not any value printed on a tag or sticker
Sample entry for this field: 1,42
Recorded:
7,18
